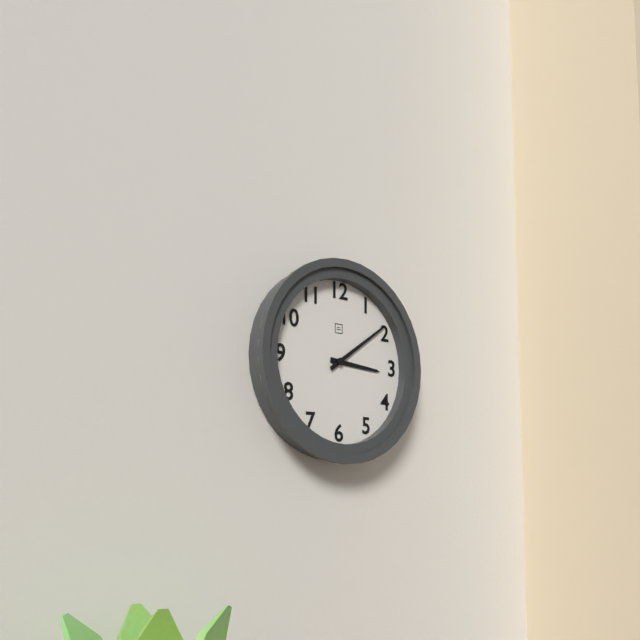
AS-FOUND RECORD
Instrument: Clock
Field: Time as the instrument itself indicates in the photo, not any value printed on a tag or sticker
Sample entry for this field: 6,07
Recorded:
3,09
